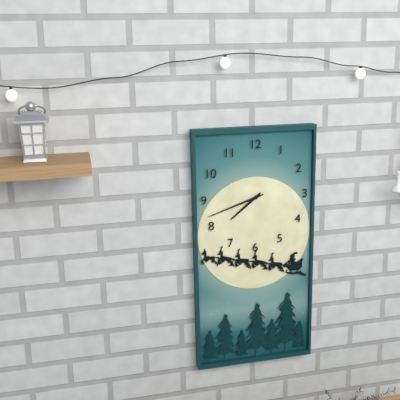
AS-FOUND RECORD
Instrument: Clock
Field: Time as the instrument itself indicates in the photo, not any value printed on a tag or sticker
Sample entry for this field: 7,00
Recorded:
7,42
